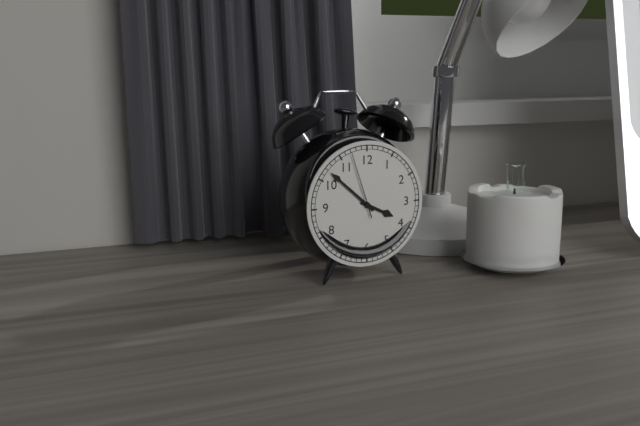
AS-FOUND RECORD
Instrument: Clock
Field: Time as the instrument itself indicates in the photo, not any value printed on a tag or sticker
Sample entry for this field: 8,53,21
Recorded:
3,52,57
